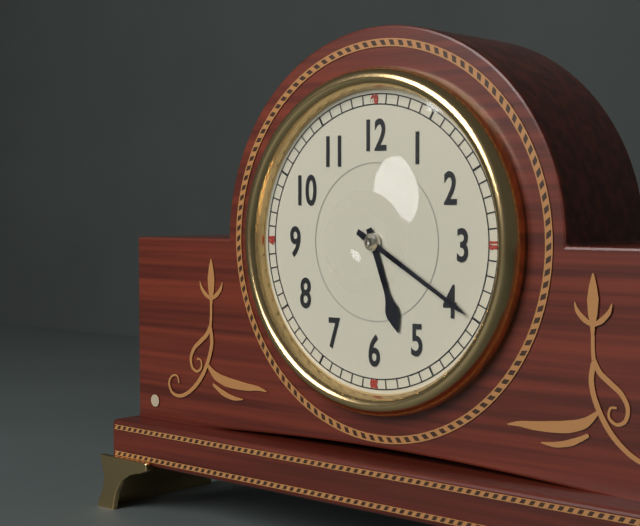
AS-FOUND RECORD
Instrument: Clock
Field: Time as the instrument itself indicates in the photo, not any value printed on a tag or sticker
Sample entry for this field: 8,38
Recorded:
5,20
